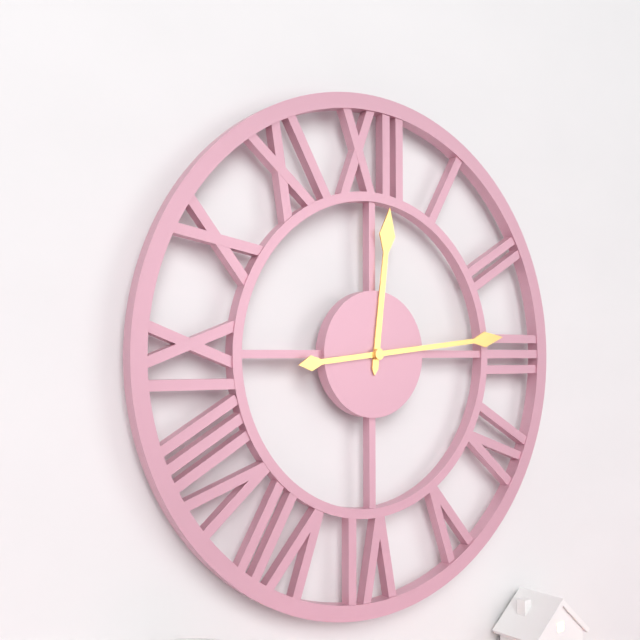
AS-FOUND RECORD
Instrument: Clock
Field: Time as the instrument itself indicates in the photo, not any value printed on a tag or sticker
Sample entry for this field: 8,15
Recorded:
12,14
